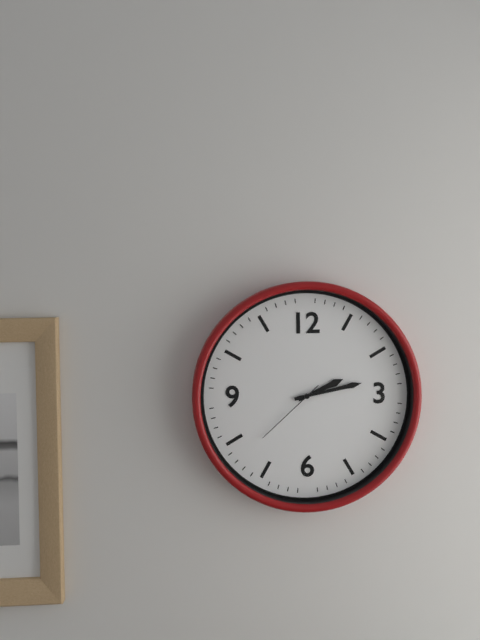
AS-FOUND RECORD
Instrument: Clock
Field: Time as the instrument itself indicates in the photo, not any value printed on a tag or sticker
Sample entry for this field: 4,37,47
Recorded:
2,13,38
